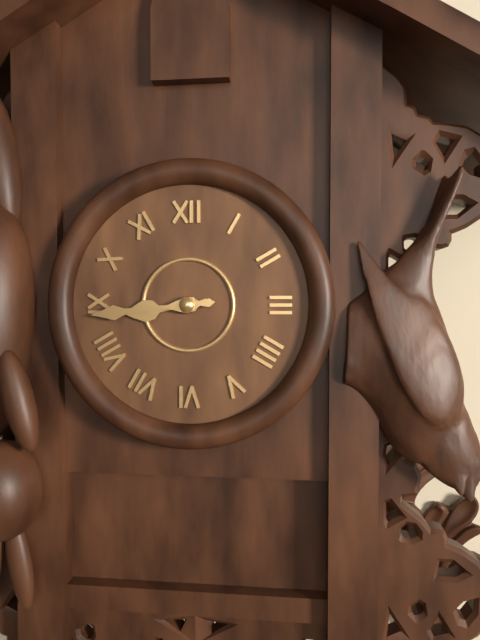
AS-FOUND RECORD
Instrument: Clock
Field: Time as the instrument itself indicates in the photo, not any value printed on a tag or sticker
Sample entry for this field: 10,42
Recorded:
8,44
